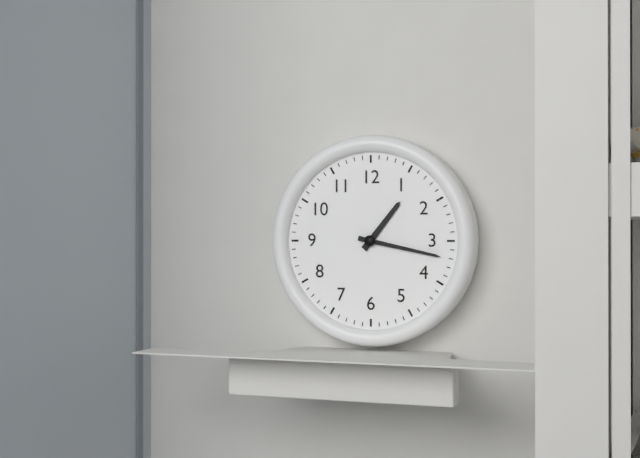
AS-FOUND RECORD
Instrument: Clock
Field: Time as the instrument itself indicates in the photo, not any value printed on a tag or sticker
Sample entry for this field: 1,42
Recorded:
1,17
